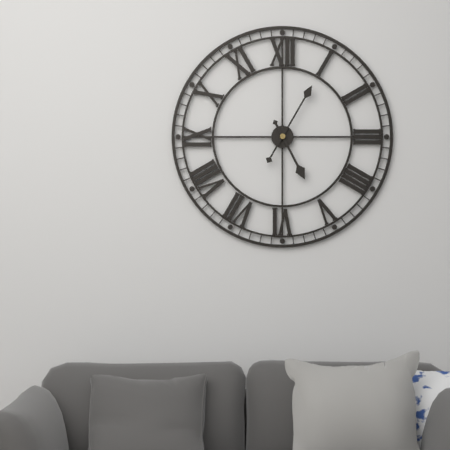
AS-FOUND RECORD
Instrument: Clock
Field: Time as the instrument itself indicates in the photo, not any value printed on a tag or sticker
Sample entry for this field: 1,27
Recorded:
5,05
